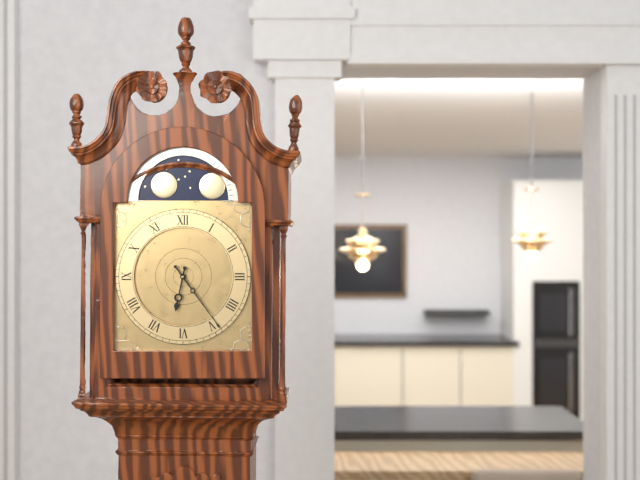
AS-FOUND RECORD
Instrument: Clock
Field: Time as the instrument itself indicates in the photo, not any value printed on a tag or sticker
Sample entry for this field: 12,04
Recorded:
6,24
